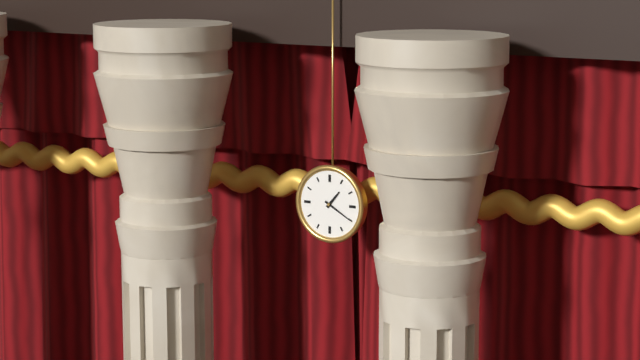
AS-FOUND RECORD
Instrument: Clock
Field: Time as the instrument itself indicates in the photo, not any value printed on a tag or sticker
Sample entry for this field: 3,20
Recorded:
1,20
